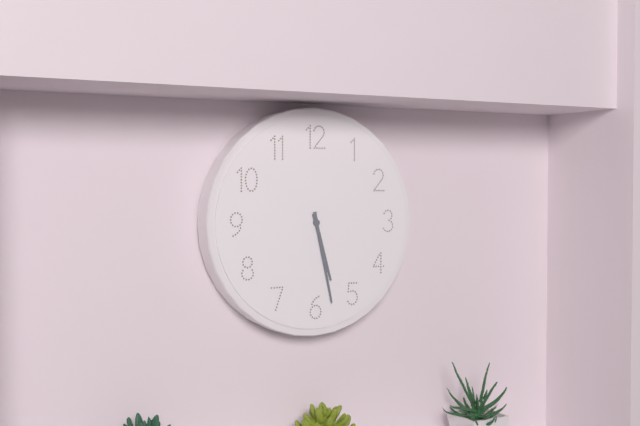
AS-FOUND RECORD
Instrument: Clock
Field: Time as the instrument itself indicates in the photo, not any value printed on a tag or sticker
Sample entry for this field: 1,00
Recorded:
5,28
